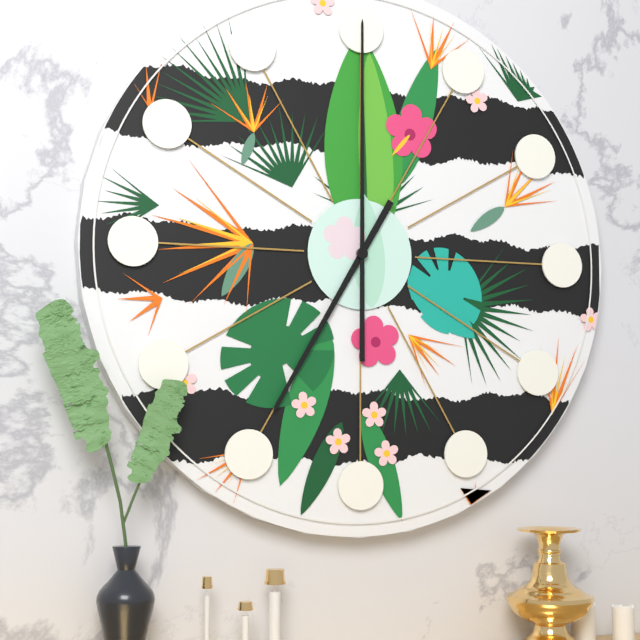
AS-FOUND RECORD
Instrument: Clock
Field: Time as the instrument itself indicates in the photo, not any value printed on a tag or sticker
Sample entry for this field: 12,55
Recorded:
7,00
